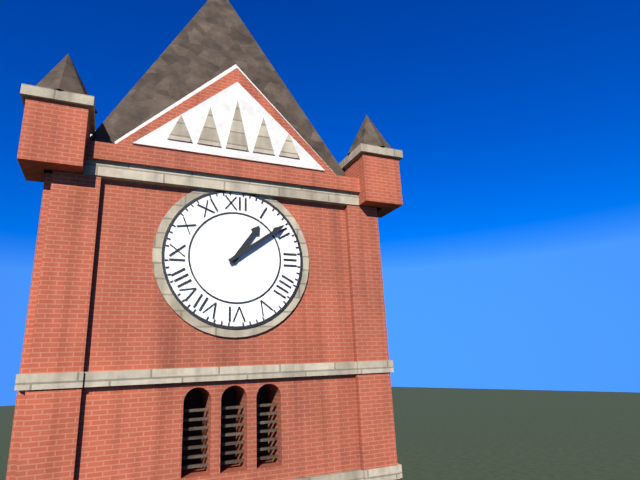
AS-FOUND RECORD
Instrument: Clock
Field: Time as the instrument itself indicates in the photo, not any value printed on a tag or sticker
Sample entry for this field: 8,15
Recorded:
1,09
